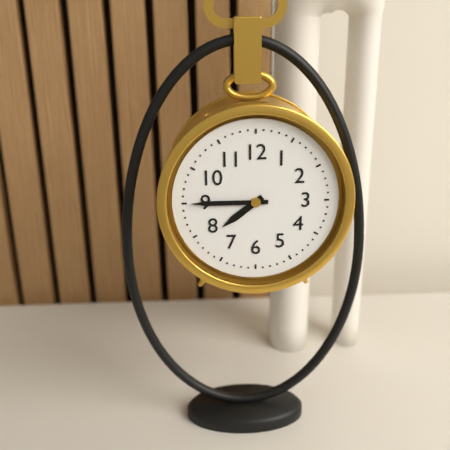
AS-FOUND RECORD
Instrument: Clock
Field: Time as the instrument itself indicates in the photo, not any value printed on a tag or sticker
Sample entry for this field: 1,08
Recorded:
7,45
